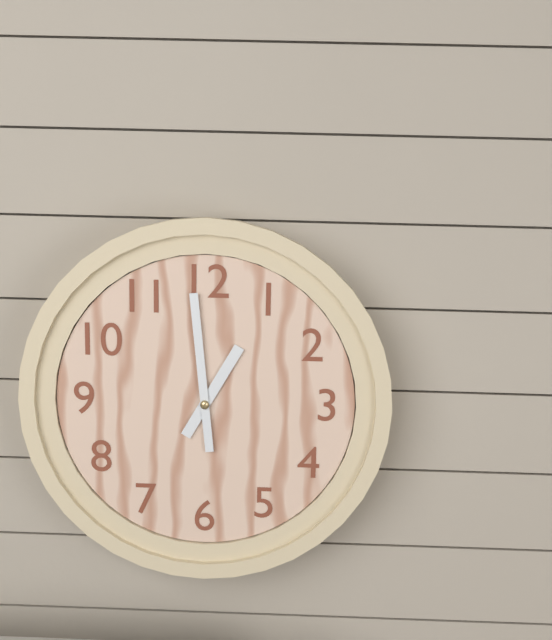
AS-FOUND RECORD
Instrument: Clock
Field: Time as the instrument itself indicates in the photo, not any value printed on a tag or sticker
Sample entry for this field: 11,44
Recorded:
12,59
